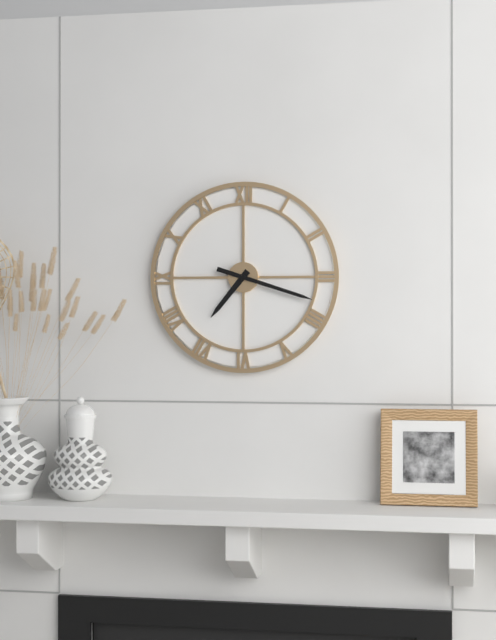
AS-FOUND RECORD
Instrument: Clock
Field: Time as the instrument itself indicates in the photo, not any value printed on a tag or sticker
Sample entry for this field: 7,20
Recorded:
7,18
